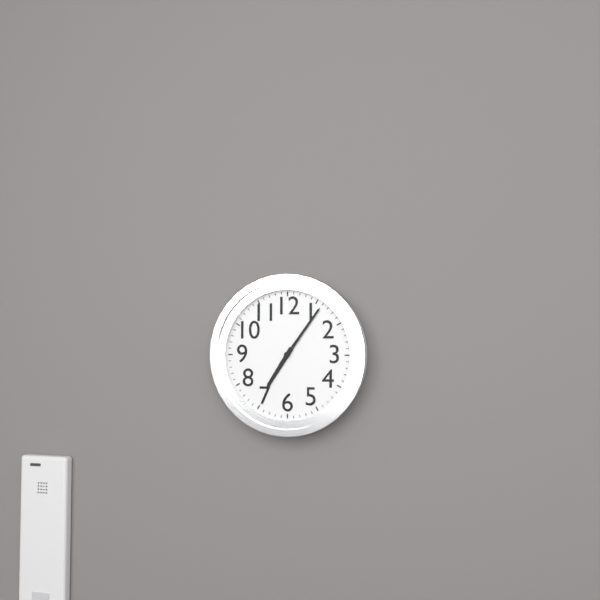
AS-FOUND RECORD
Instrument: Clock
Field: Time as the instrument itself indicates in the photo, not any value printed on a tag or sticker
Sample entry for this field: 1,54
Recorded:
7,06
